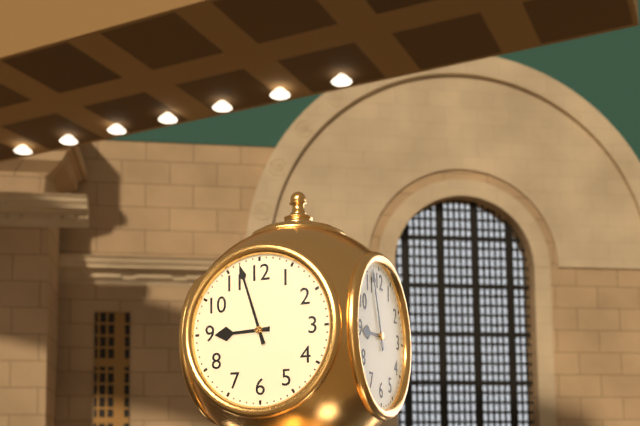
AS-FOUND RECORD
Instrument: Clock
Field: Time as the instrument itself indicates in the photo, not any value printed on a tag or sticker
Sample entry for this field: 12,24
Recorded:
8,57
